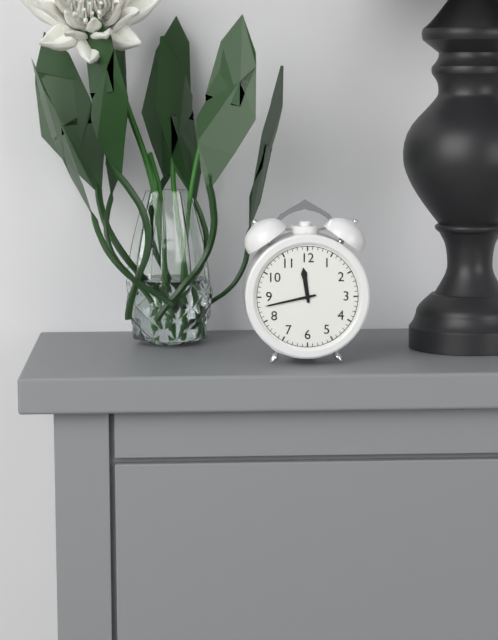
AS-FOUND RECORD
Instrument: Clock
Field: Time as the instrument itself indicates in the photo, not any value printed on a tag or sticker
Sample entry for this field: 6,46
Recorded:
11,43
